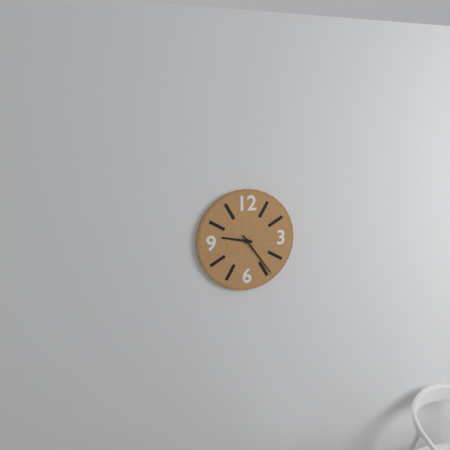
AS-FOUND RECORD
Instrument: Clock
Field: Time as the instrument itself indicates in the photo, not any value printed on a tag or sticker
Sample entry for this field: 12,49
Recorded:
9,24
